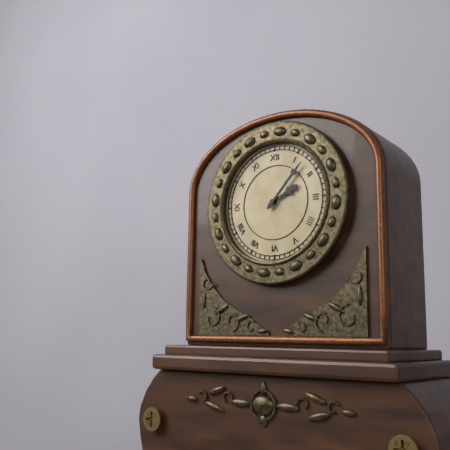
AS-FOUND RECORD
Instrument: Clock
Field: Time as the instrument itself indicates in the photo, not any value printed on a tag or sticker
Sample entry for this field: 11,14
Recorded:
2,07
